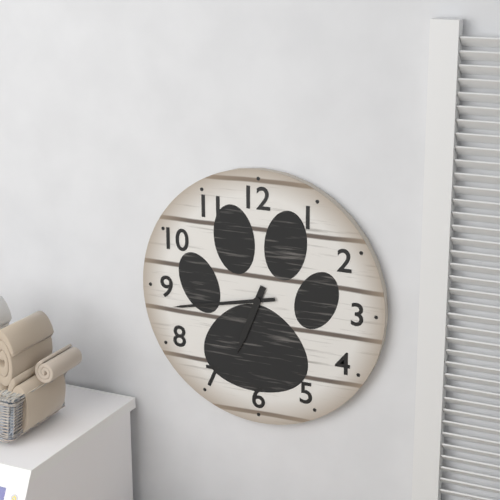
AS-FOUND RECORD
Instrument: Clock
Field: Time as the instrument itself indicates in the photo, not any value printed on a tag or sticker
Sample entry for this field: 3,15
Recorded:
6,43
